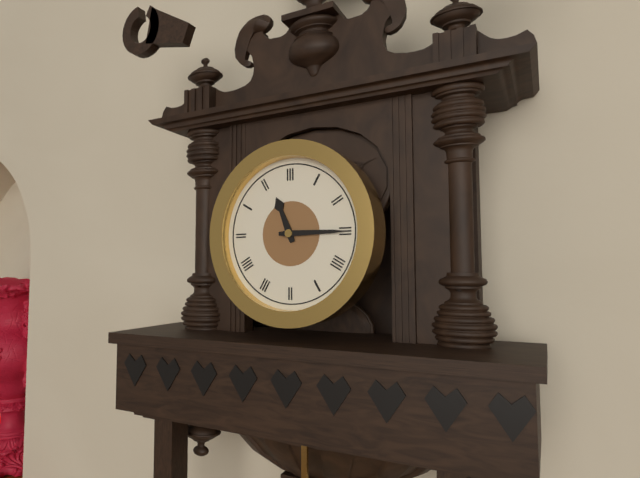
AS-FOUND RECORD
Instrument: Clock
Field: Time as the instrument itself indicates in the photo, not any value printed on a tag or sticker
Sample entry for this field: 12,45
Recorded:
11,15
